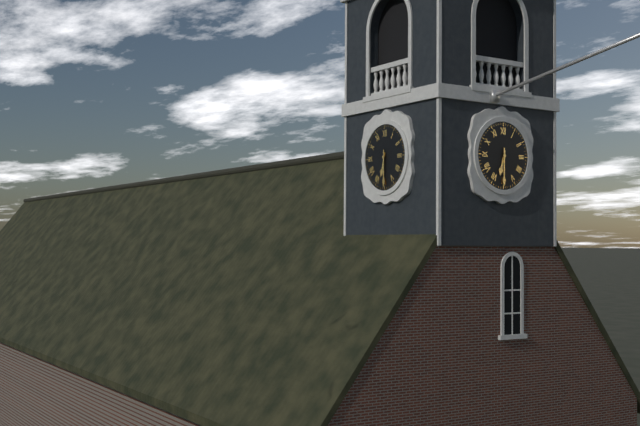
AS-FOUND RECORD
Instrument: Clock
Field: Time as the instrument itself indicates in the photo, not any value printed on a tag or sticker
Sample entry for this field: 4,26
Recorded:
6,30
